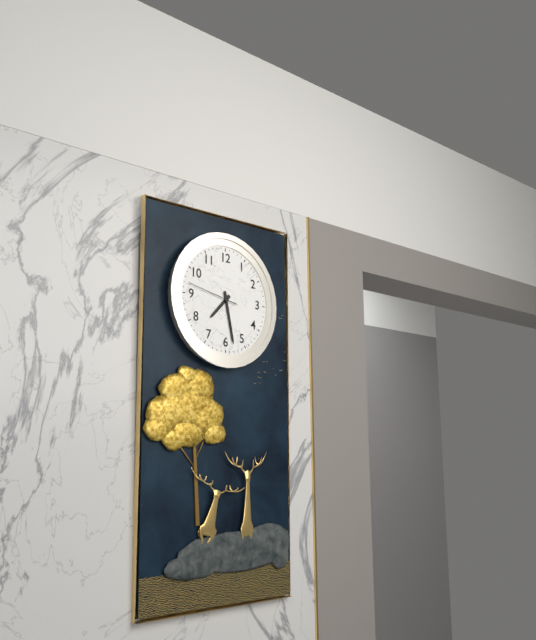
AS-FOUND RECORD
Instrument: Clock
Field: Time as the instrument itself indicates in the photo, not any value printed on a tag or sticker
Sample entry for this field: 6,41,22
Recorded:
7,28,47
